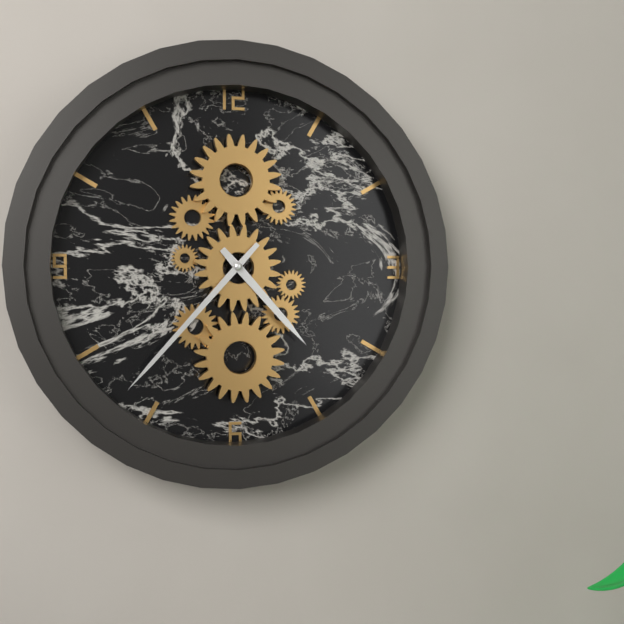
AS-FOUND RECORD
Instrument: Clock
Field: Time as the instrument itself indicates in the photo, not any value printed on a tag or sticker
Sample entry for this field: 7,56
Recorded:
4,37
